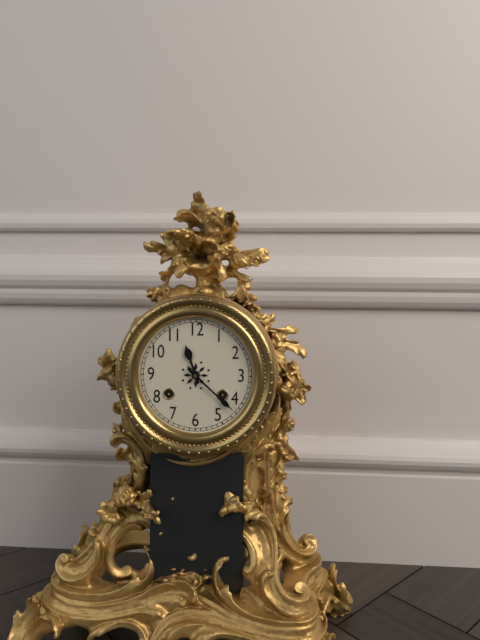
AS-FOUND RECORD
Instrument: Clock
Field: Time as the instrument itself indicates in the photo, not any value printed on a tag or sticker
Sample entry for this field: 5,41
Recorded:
11,22
